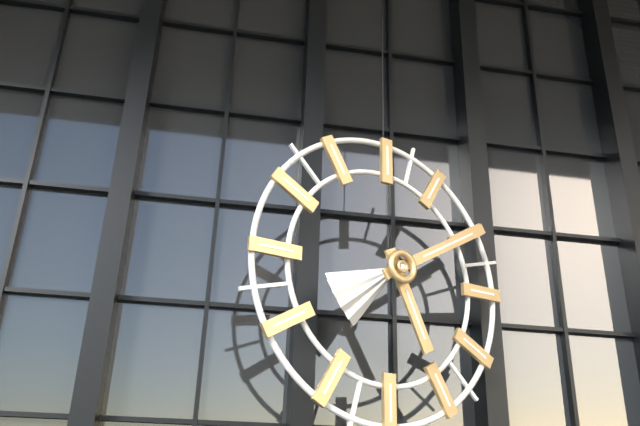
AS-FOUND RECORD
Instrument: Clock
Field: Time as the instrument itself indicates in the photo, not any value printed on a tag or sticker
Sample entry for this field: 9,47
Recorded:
5,10
